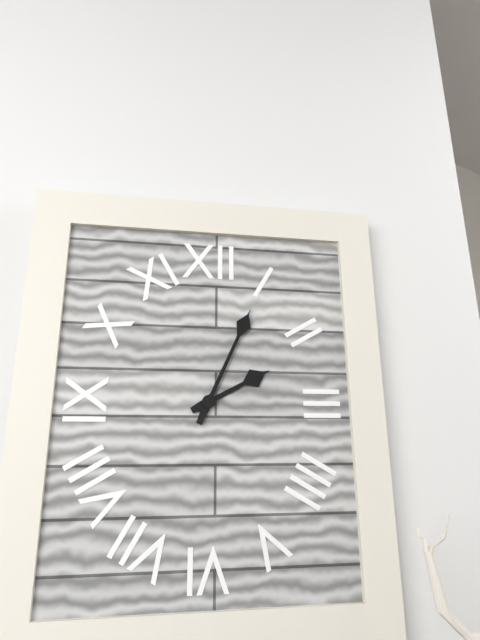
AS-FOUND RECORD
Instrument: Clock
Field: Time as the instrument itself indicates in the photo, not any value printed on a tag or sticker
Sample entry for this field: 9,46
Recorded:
2,04
